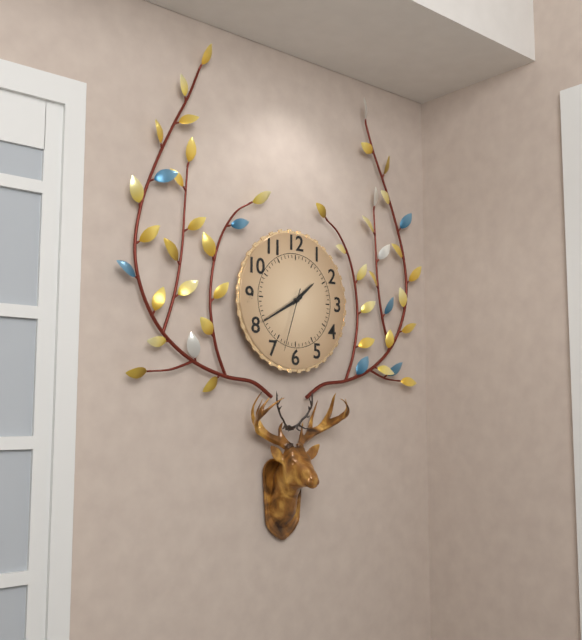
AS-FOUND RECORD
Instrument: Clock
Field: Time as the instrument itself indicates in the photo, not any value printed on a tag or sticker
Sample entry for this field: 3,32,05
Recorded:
1,40,33
